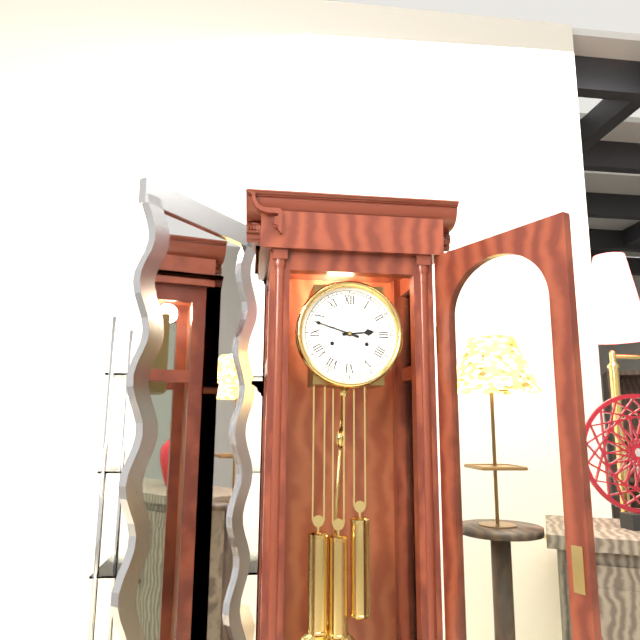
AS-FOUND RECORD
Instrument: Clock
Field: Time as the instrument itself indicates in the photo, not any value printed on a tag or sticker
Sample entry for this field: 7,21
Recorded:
2,48
